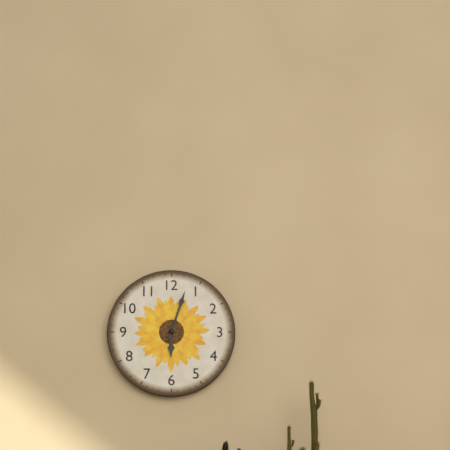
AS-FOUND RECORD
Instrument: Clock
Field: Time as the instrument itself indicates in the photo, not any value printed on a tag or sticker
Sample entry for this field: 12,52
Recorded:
6,03
